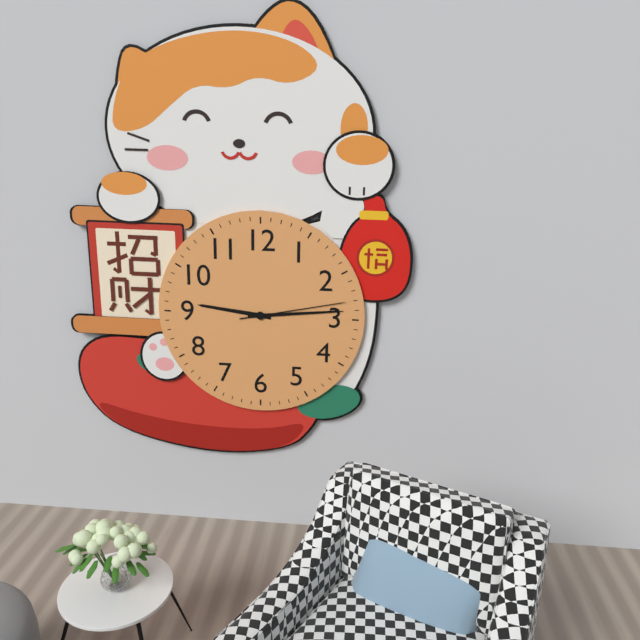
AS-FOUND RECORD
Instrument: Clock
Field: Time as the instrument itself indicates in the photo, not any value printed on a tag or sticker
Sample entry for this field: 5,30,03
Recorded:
9,14,13
